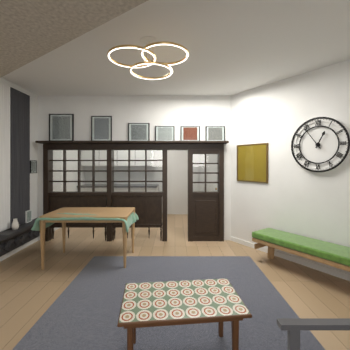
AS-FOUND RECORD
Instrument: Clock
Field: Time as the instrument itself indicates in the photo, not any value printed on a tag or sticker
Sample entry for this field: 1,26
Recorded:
12,54
